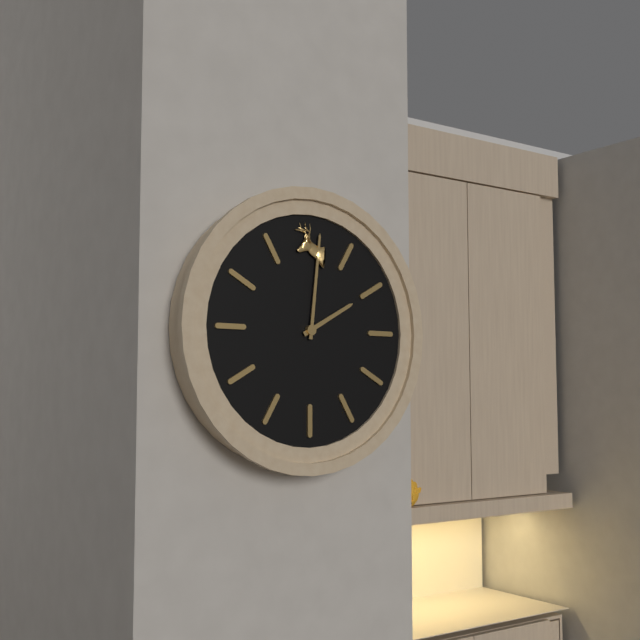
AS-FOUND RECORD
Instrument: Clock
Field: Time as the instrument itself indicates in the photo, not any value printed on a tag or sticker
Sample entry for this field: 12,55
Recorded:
2,01
